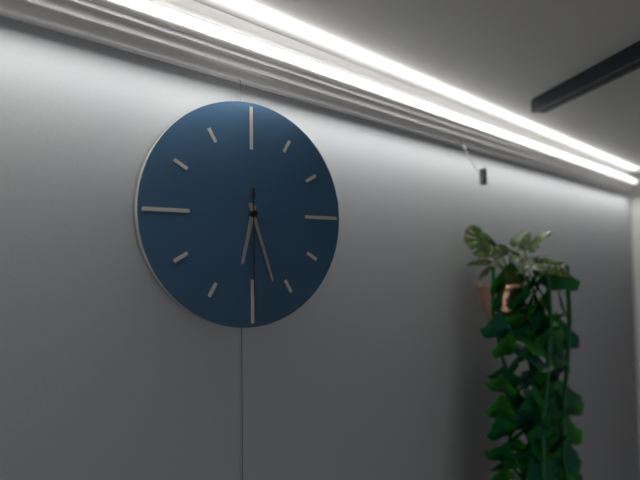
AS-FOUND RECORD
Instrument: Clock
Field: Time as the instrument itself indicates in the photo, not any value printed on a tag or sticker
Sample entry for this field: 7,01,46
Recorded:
6,27,30
